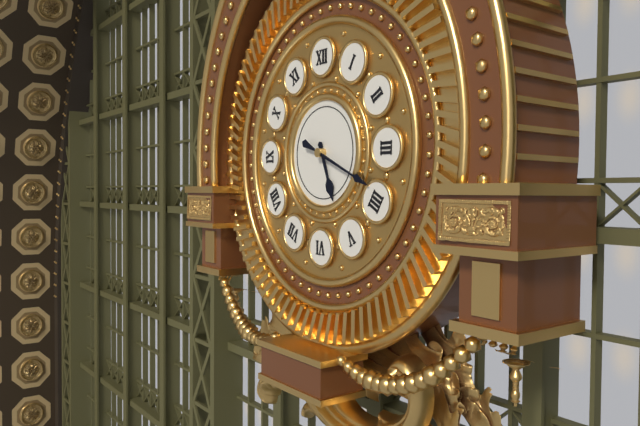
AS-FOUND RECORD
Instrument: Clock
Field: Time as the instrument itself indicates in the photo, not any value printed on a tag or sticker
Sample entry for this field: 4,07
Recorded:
5,19
